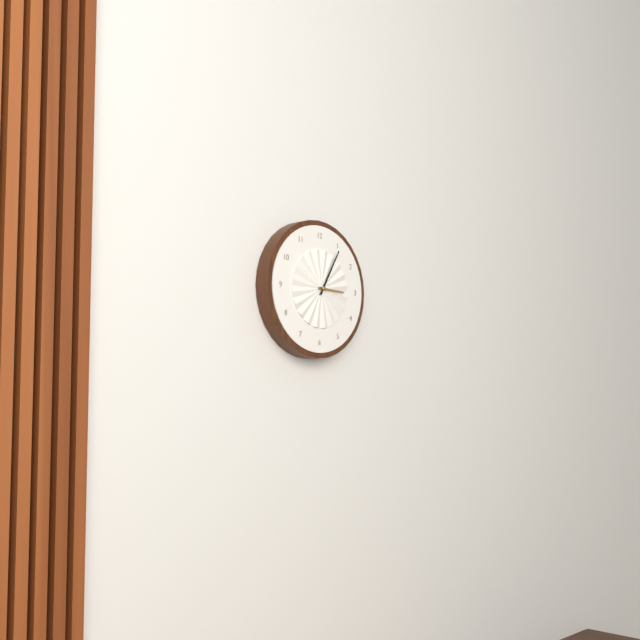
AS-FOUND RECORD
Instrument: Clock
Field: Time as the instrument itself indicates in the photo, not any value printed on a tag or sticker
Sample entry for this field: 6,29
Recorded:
3,05
